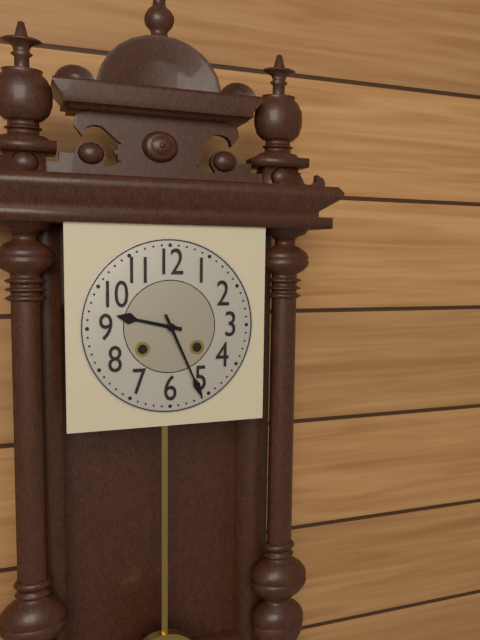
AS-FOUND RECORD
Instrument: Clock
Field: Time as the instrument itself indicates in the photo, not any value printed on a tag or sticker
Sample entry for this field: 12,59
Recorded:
9,26
